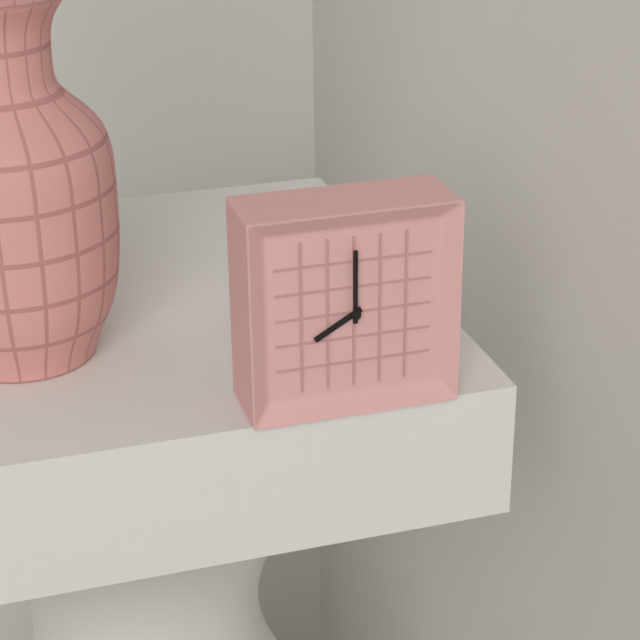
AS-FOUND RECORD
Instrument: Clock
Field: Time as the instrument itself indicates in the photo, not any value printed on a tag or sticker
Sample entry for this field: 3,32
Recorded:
8,00
